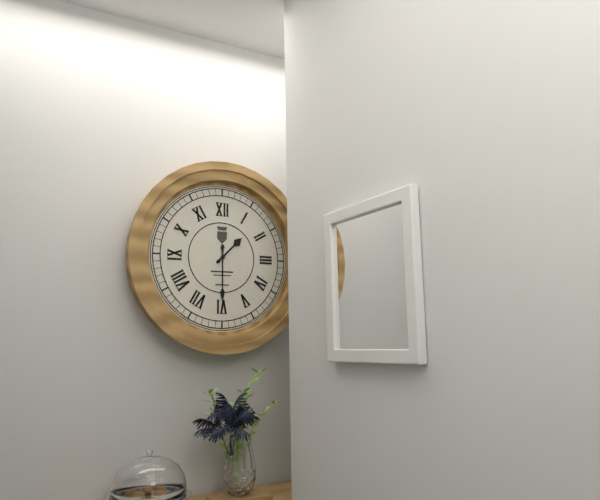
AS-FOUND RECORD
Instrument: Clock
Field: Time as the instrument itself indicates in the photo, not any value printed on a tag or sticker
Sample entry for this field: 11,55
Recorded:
1,30
